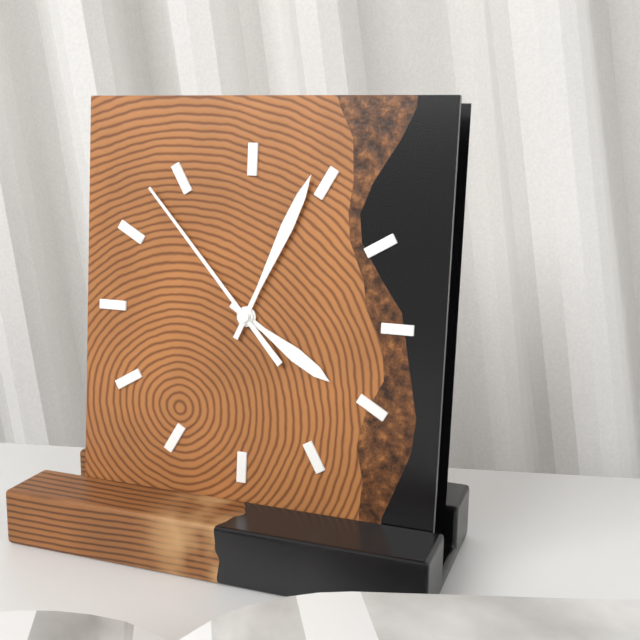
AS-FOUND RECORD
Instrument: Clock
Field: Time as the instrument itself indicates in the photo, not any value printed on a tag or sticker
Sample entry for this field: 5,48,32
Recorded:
4,04,53
